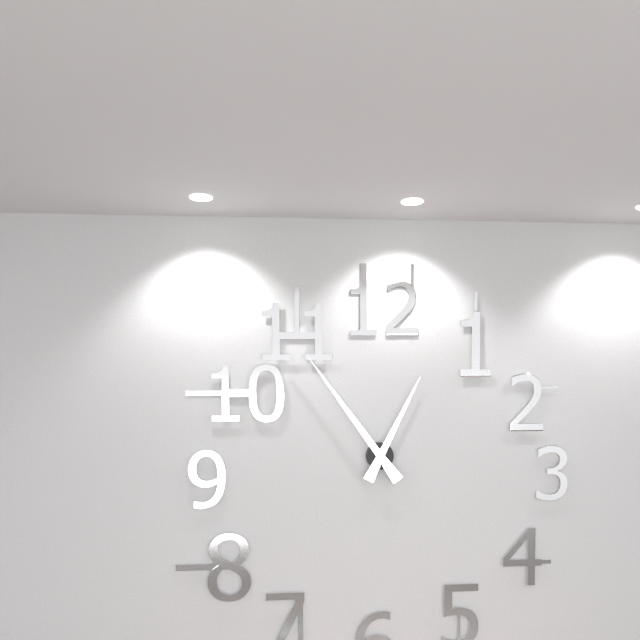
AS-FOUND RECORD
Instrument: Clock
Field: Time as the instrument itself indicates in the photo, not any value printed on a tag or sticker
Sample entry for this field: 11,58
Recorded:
12,54
